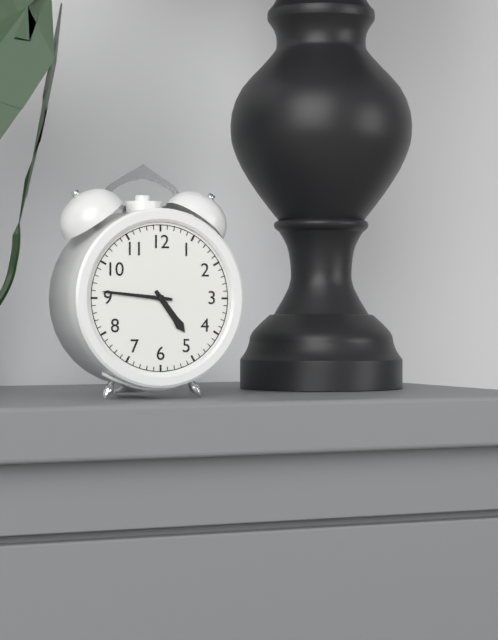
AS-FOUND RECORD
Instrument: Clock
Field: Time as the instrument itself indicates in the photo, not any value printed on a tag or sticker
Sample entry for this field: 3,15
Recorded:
4,46
